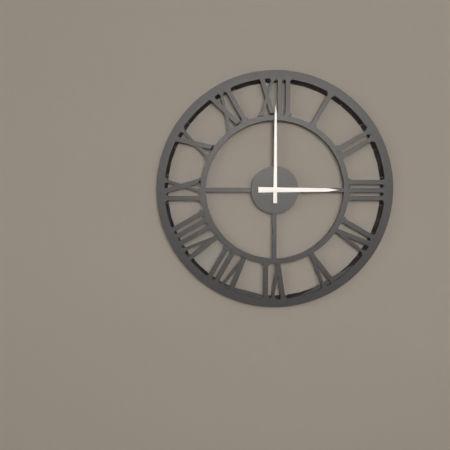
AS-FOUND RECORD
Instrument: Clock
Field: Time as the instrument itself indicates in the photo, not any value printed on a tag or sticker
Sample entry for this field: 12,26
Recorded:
3,00
